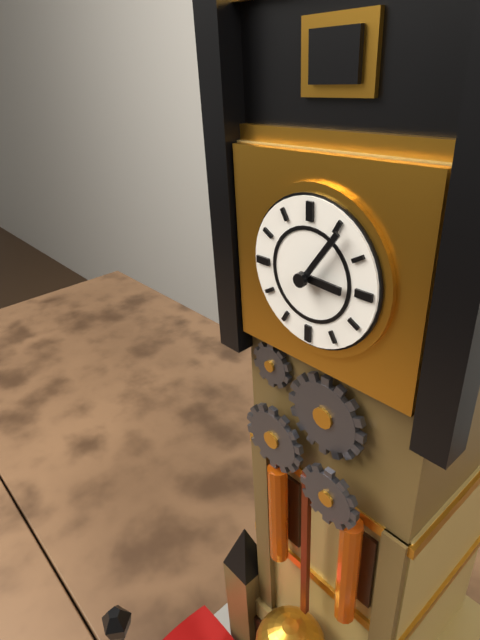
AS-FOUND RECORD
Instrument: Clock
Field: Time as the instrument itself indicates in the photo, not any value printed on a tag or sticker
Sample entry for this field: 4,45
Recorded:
3,06
